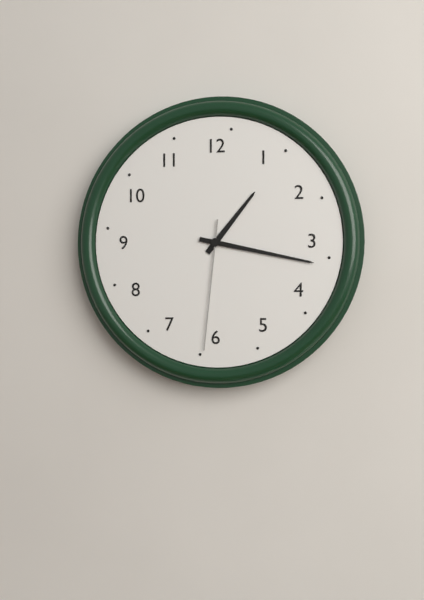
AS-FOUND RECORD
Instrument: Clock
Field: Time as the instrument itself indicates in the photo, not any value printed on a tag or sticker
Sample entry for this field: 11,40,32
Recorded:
1,17,31
